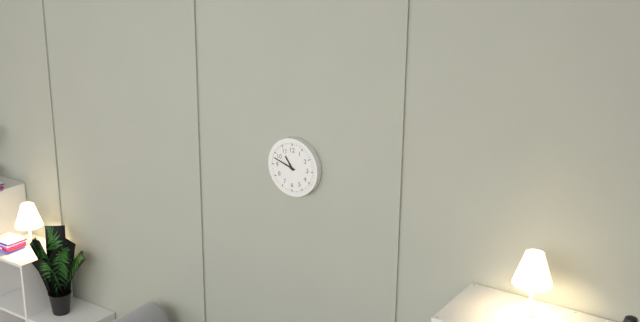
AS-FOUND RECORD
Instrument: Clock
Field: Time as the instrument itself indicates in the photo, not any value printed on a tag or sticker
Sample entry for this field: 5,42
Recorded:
10,48
